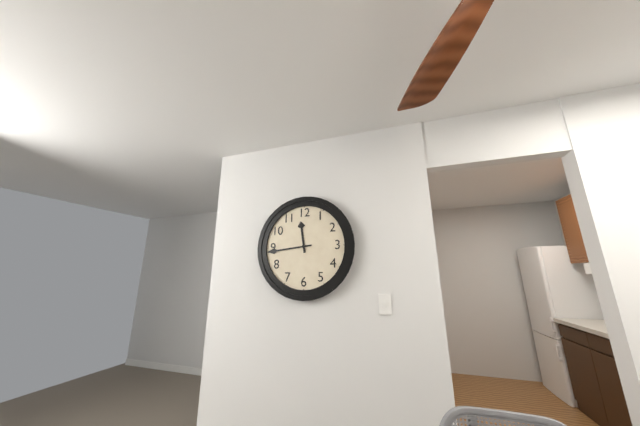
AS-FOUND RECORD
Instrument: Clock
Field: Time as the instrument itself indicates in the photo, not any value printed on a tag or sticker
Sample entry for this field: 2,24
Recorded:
11,44
